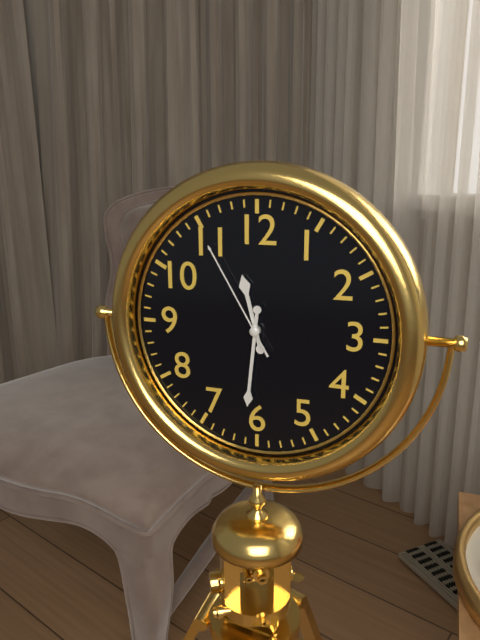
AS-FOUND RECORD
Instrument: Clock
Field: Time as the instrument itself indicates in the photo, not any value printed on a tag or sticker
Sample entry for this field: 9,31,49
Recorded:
11,31,55
